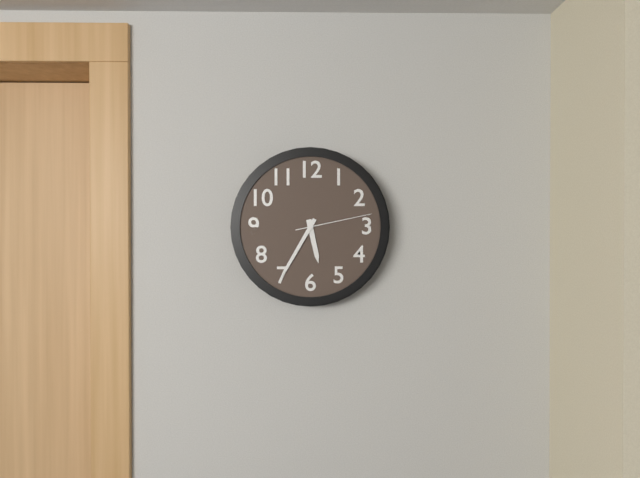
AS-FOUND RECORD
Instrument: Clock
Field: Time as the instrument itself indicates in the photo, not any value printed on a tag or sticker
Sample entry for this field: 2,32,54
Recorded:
5,35,13
